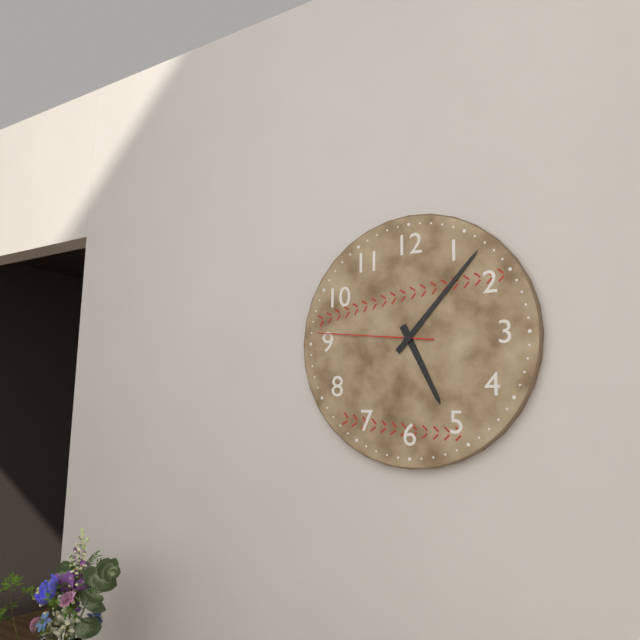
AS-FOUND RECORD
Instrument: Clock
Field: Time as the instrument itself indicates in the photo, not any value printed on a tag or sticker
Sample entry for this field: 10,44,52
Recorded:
5,07,46
